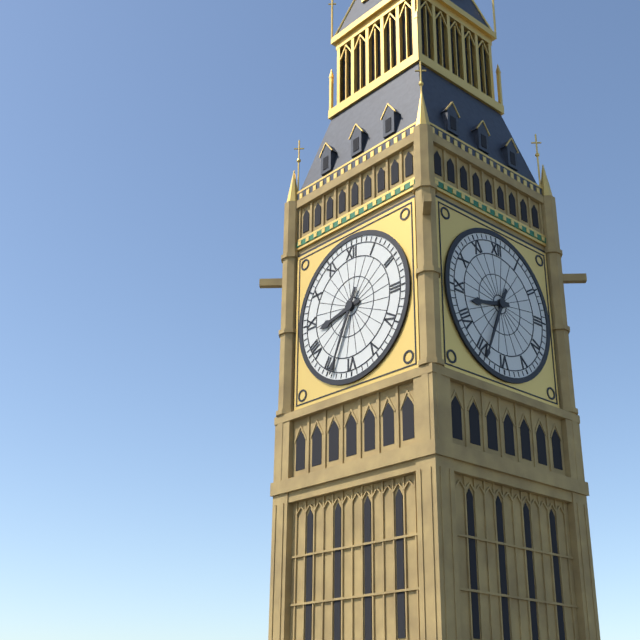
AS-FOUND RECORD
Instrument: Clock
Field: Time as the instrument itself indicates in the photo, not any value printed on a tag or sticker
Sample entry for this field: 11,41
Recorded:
8,34
